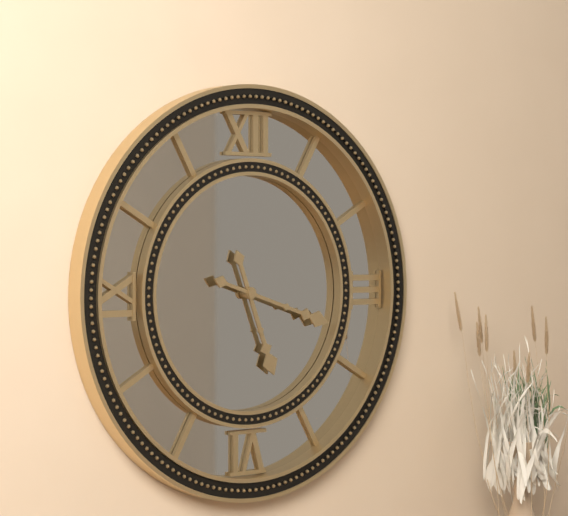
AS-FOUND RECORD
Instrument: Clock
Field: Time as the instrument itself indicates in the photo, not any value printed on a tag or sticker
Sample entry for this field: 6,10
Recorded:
5,18
